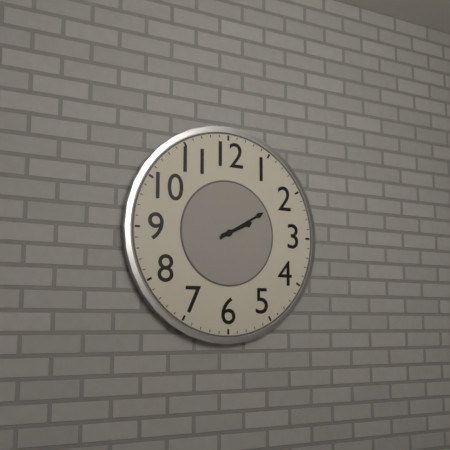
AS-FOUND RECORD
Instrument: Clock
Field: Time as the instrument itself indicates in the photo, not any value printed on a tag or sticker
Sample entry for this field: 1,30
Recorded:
2,10
